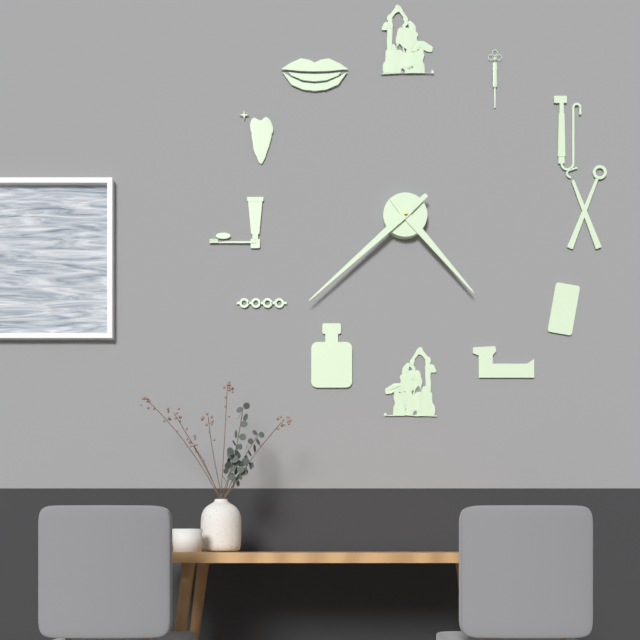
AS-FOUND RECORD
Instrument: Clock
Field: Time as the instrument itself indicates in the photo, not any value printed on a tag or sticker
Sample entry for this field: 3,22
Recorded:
4,38
